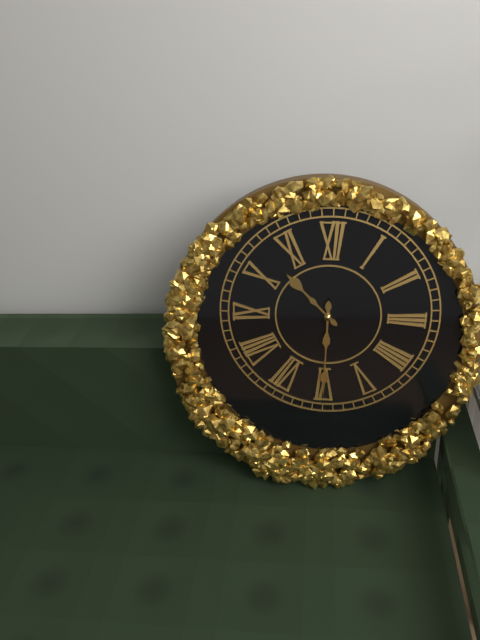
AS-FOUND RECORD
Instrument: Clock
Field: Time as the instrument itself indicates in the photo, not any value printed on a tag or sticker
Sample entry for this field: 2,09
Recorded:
10,30
